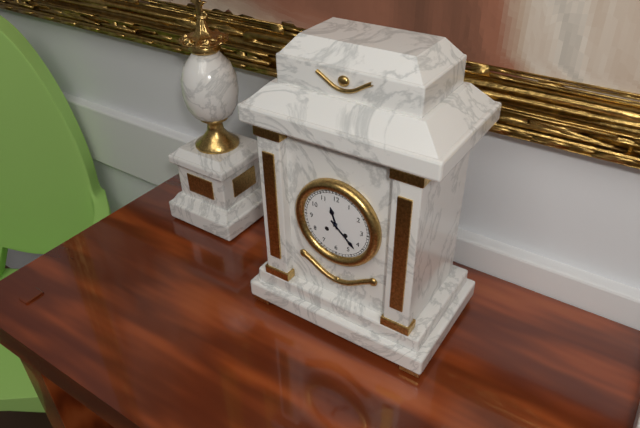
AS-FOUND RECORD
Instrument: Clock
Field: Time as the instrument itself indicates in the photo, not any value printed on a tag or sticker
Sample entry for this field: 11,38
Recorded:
11,22
